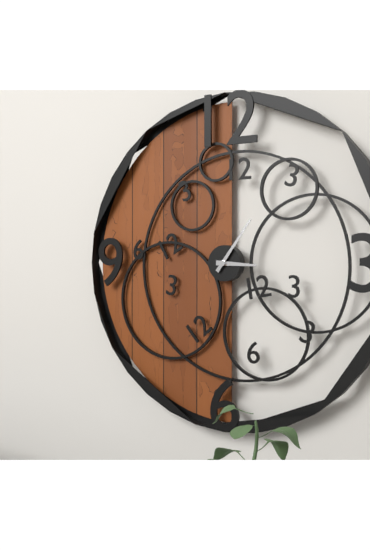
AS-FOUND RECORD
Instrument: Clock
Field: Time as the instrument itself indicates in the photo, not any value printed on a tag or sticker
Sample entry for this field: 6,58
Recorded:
3,06
